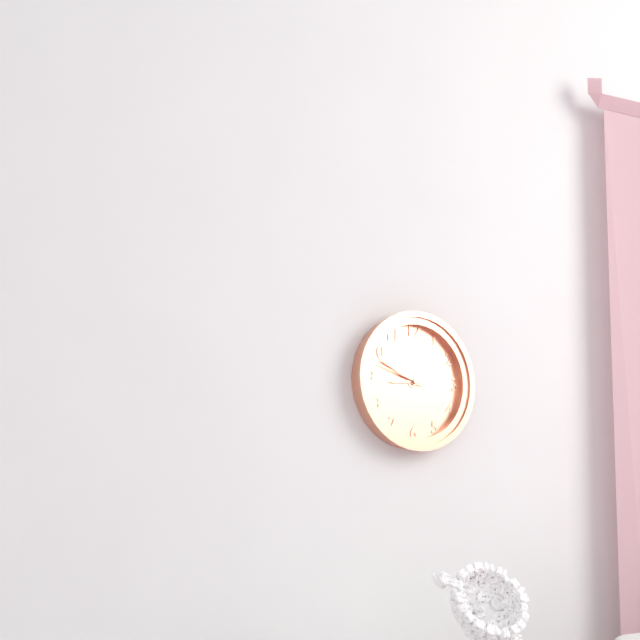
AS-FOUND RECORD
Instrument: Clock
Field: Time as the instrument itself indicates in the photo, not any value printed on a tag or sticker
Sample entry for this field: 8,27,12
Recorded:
8,49,48
